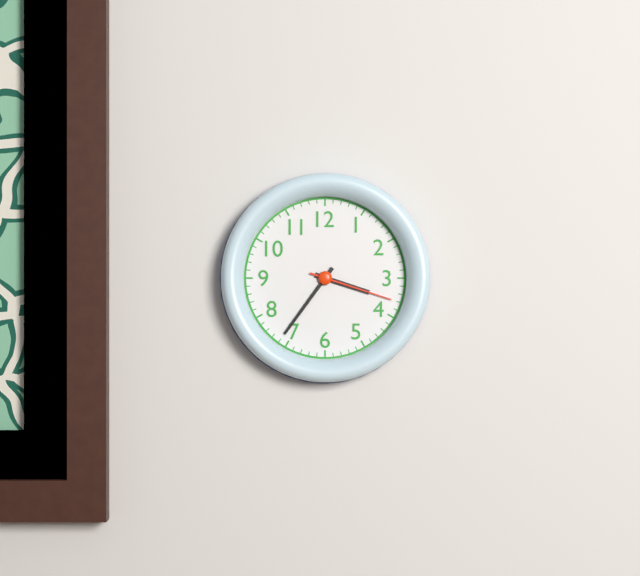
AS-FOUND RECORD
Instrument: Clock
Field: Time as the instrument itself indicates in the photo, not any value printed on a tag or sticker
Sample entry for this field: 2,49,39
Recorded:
3,36,18
